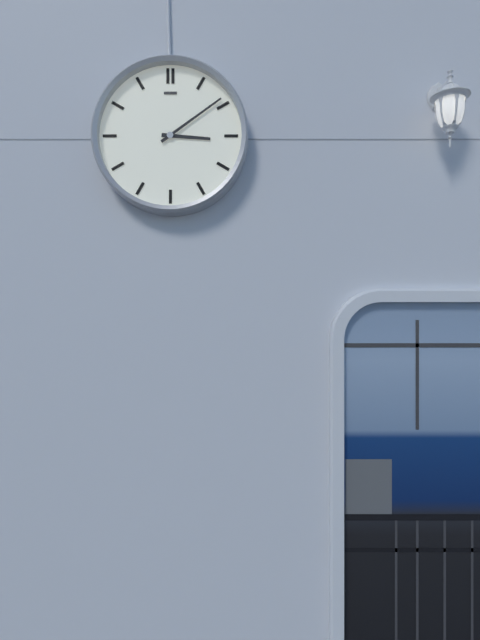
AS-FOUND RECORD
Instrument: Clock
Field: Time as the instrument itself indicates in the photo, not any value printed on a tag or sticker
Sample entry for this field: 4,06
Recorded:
3,09
